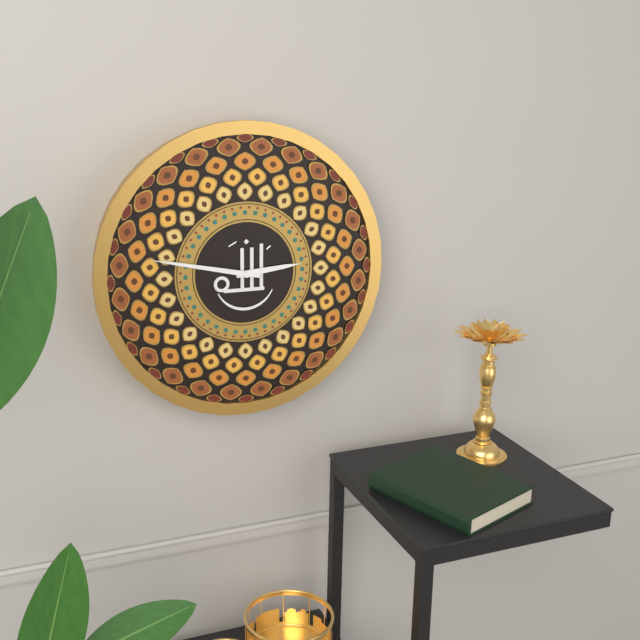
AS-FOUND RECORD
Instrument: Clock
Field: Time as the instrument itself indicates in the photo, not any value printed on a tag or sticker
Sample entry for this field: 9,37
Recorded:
2,47
